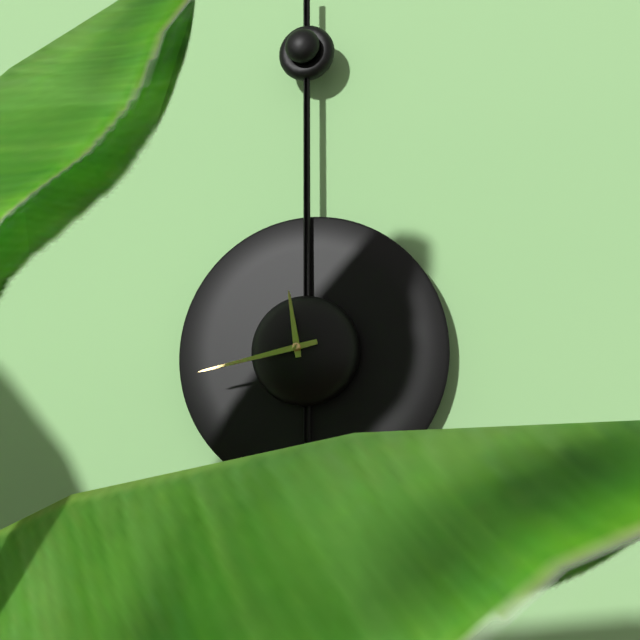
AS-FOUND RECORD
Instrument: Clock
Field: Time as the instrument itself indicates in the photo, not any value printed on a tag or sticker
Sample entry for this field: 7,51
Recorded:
11,43
